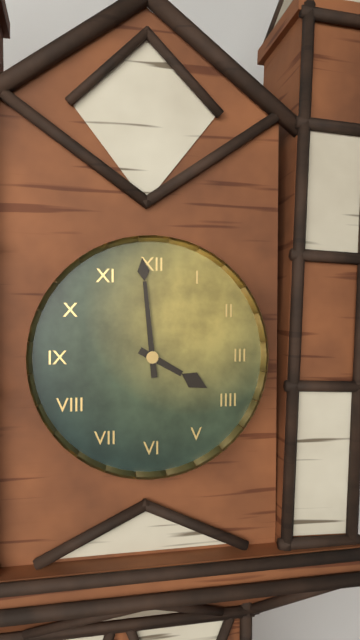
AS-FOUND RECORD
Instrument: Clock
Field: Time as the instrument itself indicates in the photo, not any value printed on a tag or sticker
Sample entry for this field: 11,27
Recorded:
3,59
